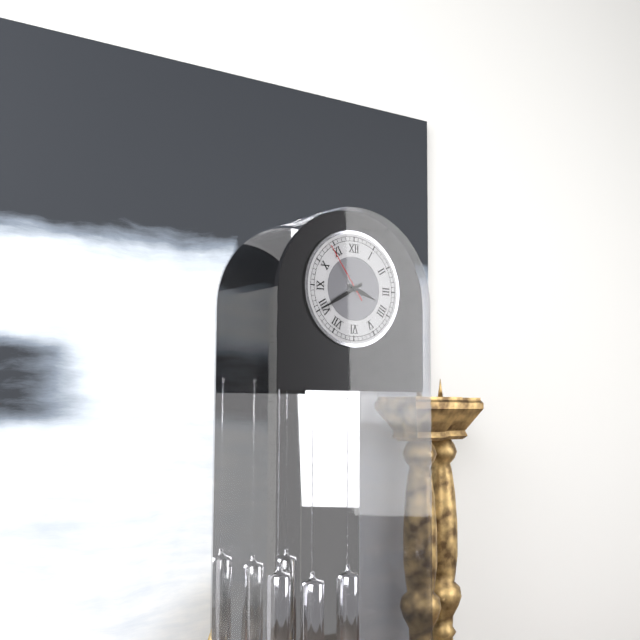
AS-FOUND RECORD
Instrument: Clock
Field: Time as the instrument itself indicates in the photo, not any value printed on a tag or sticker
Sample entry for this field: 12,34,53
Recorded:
3,40,54
